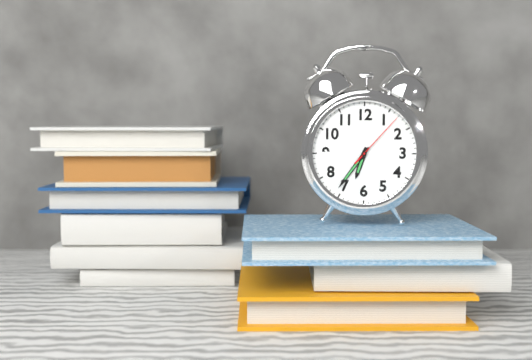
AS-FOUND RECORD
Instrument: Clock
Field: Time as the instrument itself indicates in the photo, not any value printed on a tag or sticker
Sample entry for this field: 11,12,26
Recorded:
6,36,07
